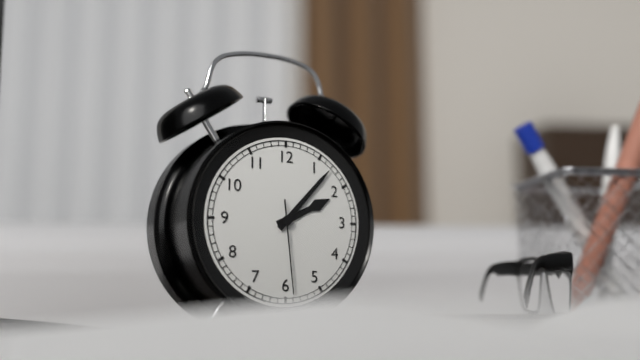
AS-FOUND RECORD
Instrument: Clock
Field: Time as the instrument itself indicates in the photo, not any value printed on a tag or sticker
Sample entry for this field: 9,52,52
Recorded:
2,07,29
